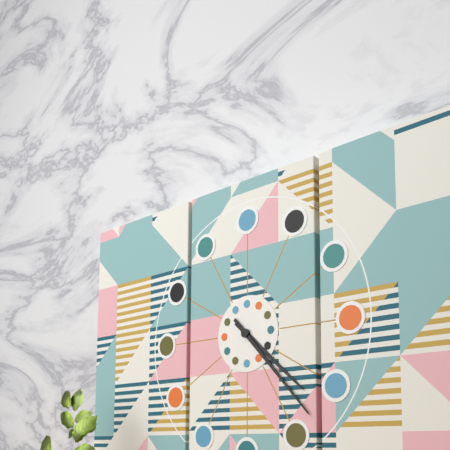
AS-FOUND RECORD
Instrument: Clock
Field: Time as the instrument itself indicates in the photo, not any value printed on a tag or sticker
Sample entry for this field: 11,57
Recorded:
4,23
